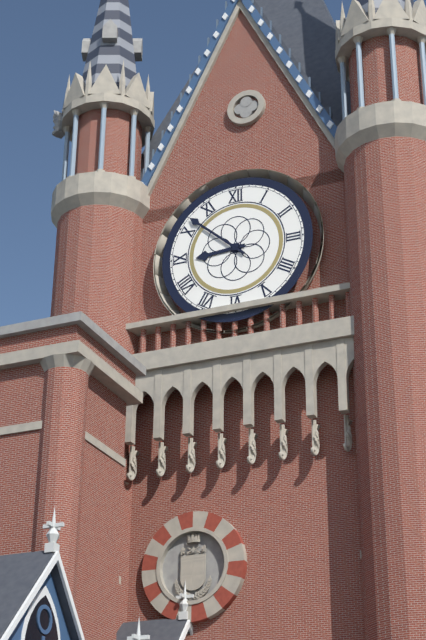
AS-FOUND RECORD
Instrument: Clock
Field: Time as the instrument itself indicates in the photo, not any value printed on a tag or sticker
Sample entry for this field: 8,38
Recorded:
8,52
